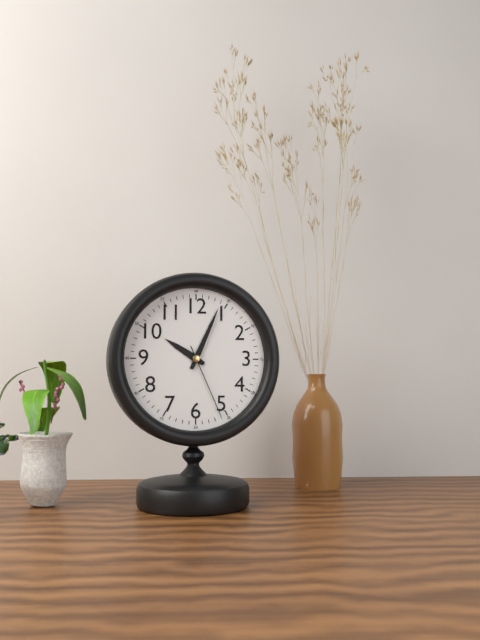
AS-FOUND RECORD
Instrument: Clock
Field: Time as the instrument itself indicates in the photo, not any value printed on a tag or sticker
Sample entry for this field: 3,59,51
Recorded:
10,04,26
